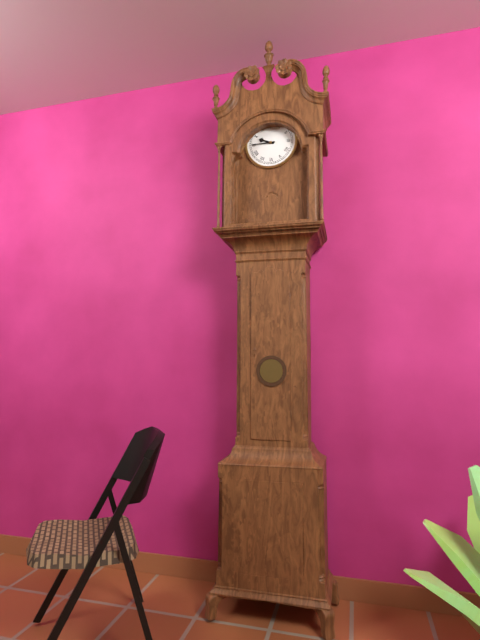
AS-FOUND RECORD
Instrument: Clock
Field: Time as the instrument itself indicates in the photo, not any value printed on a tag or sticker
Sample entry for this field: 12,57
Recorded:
9,45
